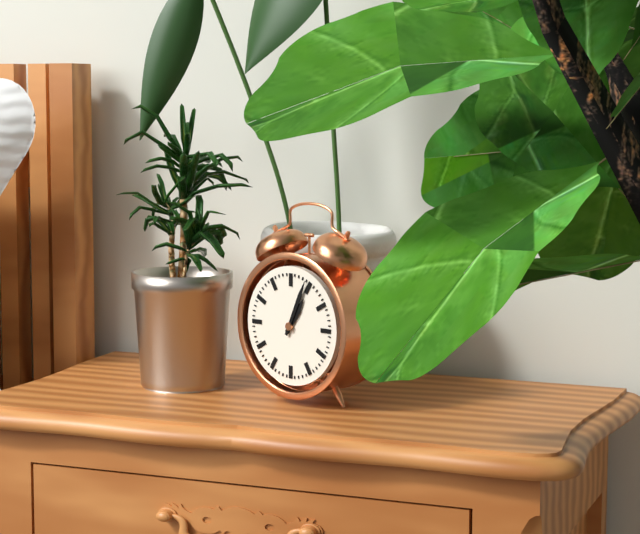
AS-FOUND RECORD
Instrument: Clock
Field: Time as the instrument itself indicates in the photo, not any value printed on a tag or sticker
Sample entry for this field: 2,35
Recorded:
1,04
